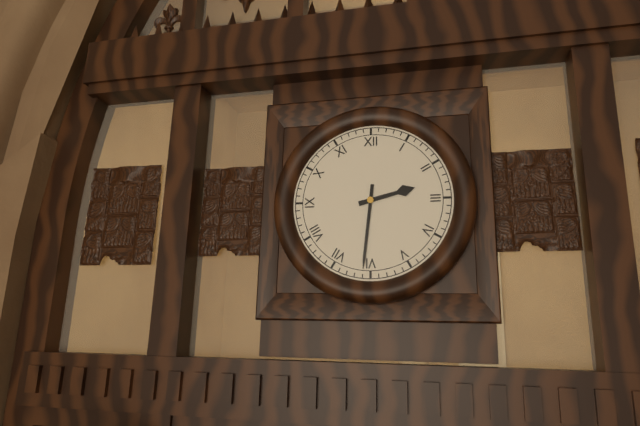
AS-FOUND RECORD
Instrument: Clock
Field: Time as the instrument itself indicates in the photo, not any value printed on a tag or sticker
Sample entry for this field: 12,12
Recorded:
2,31
